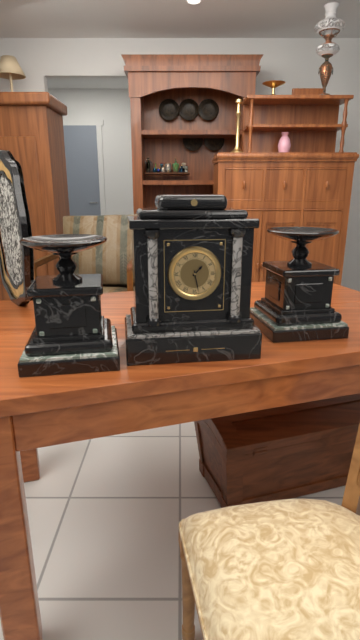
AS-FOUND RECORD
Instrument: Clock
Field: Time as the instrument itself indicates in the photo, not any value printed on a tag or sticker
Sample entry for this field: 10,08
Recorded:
1,28
